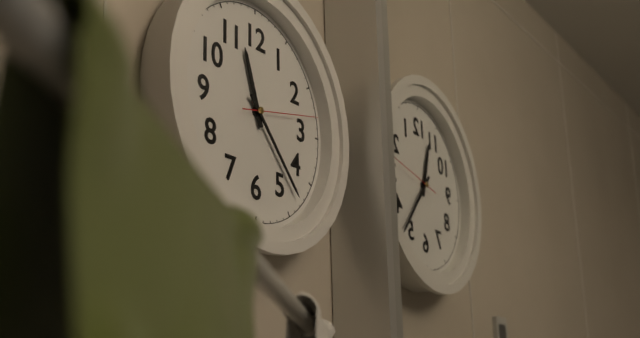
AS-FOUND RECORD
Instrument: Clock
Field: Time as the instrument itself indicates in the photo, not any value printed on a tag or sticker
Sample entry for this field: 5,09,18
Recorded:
11,23,13
